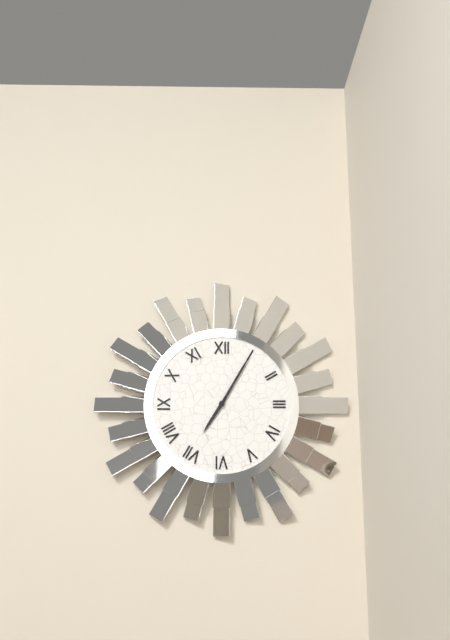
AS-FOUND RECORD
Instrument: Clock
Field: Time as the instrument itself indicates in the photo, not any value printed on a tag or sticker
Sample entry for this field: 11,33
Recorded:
7,05
